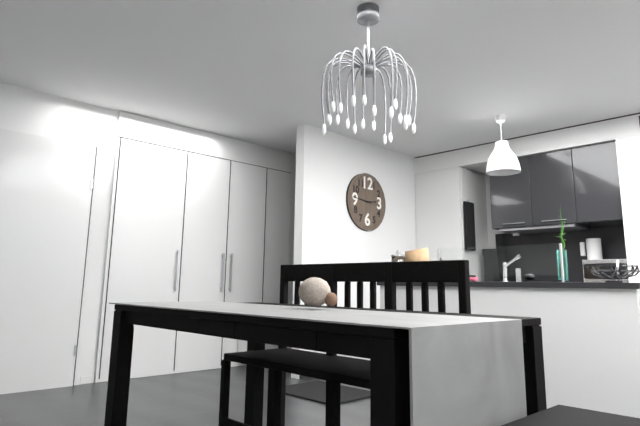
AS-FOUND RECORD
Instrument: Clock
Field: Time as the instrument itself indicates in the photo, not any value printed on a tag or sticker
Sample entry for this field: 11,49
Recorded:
2,46
